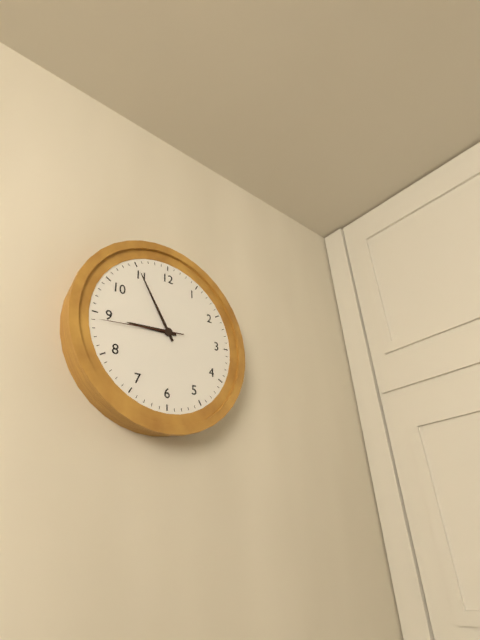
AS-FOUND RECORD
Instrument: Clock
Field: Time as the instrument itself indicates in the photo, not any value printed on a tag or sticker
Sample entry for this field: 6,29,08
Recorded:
8,55,44
